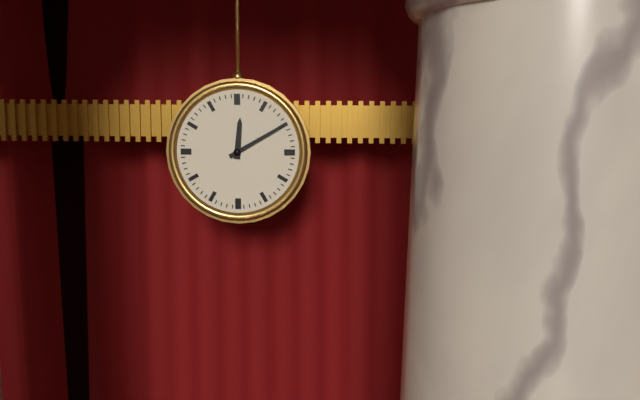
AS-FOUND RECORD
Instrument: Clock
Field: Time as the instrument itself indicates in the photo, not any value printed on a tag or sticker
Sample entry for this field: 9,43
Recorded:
12,10
